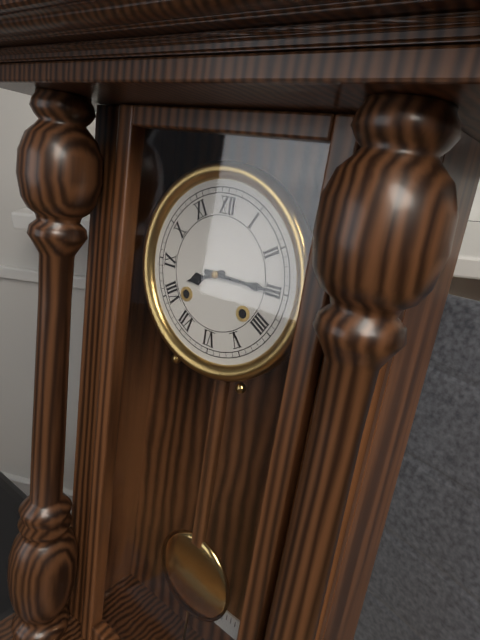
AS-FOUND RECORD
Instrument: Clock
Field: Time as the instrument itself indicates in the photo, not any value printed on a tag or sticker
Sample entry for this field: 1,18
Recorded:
8,15
